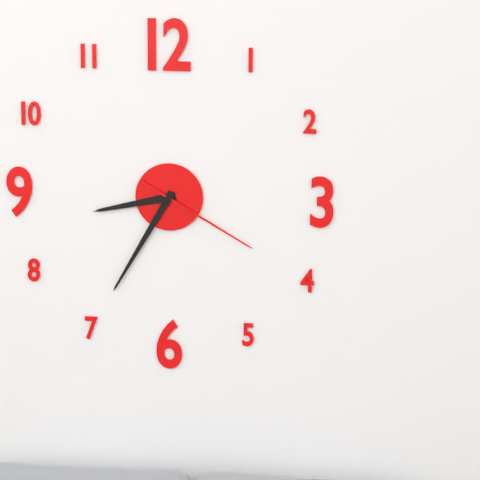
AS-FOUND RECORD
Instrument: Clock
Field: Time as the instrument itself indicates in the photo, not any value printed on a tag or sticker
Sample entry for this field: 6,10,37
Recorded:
8,35,20
